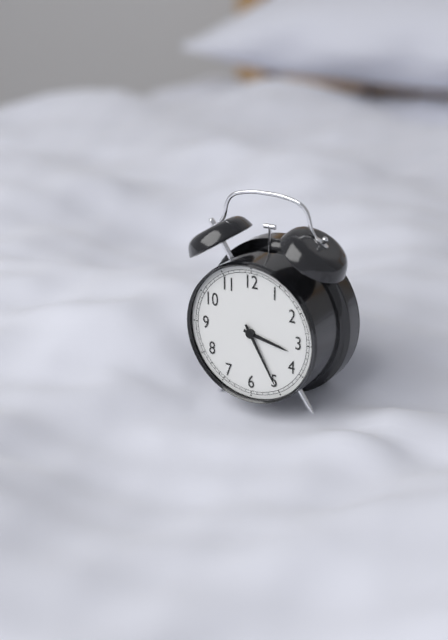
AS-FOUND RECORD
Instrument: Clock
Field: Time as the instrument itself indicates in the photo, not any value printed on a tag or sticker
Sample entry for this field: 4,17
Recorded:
3,25
